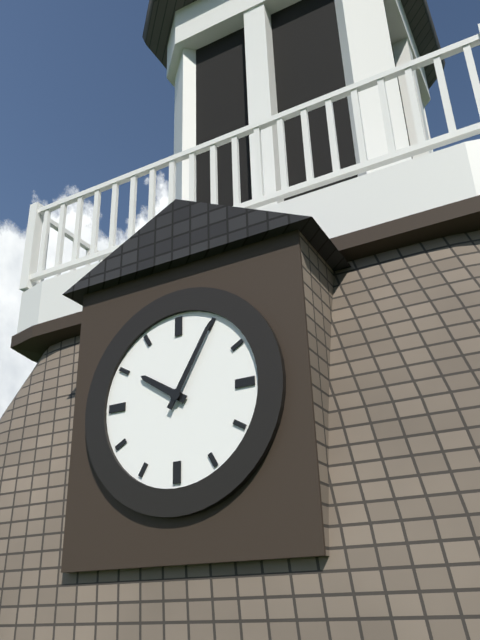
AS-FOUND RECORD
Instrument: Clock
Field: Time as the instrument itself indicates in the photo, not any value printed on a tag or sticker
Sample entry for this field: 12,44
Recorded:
10,05
